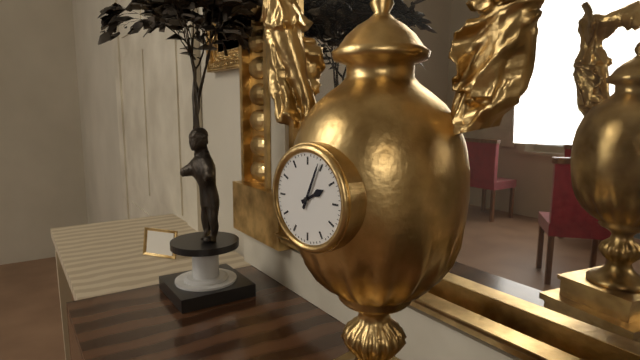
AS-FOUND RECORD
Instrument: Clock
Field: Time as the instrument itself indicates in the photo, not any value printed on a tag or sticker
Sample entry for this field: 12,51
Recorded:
2,04
